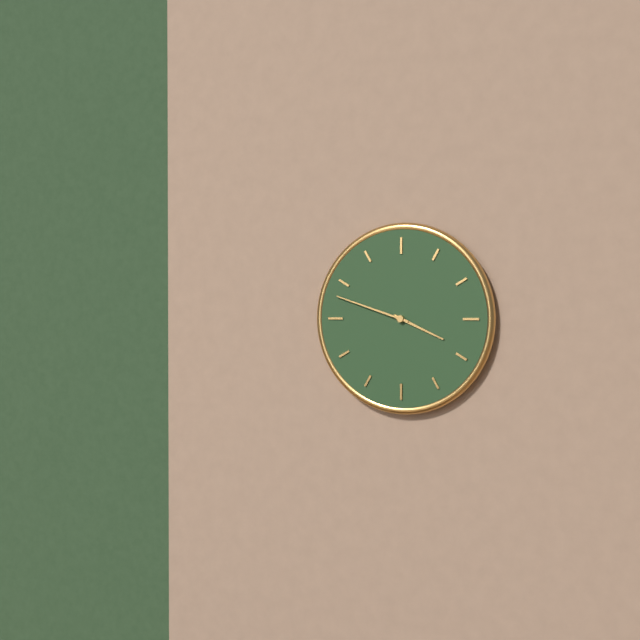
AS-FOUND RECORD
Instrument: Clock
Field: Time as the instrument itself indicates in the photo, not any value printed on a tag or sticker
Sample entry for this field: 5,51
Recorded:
3,48
